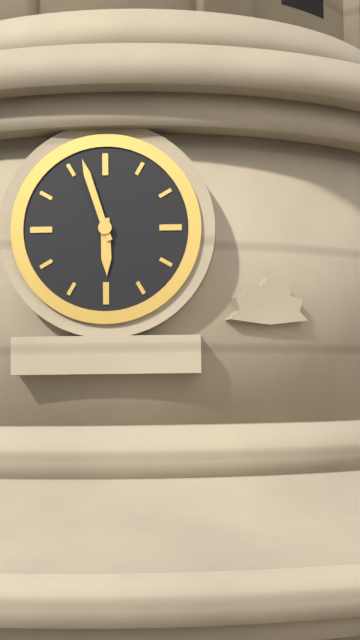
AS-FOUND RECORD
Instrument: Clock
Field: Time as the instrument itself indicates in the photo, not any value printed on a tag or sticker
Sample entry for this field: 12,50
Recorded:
5,57
